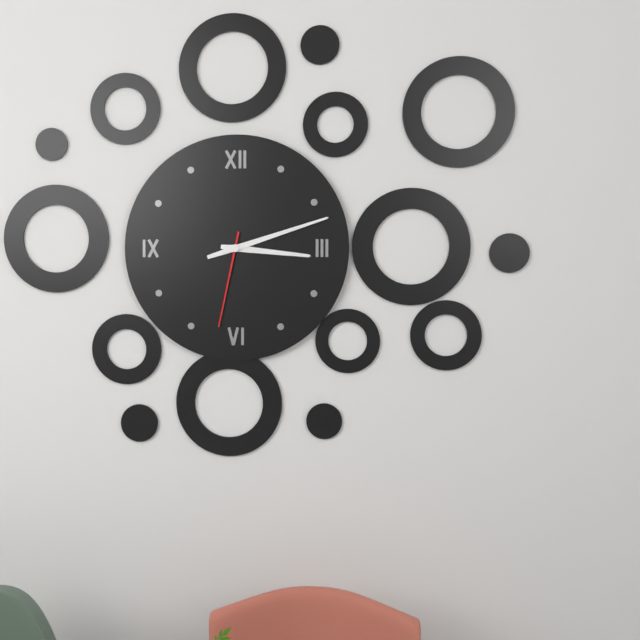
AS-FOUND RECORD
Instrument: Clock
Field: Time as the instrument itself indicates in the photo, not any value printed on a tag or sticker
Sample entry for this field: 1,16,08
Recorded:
3,12,32
